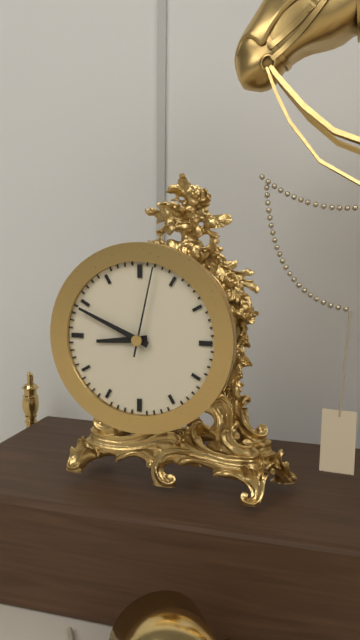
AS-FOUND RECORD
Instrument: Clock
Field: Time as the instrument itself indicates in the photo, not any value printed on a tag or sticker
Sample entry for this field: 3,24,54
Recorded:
8,49,02
